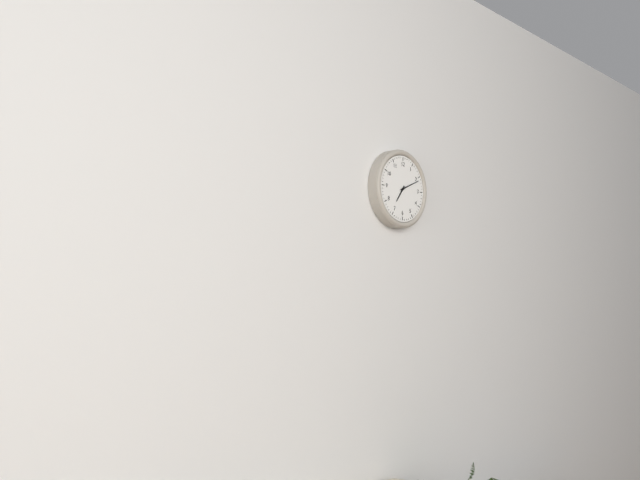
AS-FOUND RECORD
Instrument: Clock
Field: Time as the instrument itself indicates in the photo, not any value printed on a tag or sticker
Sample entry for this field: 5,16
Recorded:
7,11
